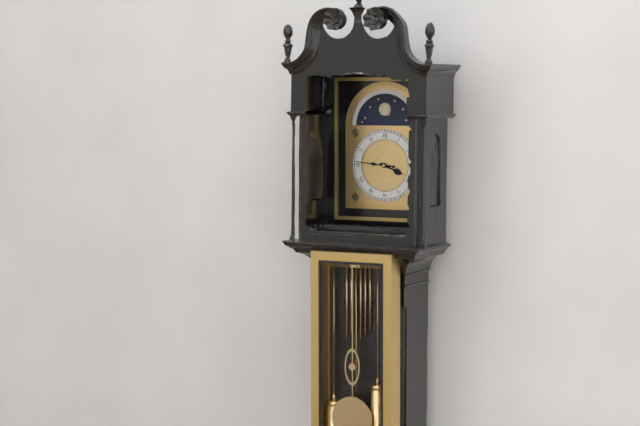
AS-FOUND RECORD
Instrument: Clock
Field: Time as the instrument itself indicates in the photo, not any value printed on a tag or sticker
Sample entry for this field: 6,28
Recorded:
3,46
